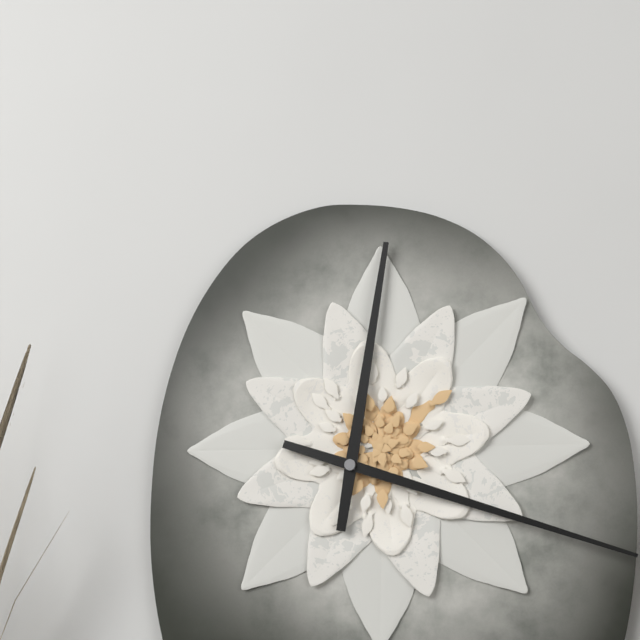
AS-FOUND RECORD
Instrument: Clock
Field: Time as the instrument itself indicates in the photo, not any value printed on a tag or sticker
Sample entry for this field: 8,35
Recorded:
12,18
